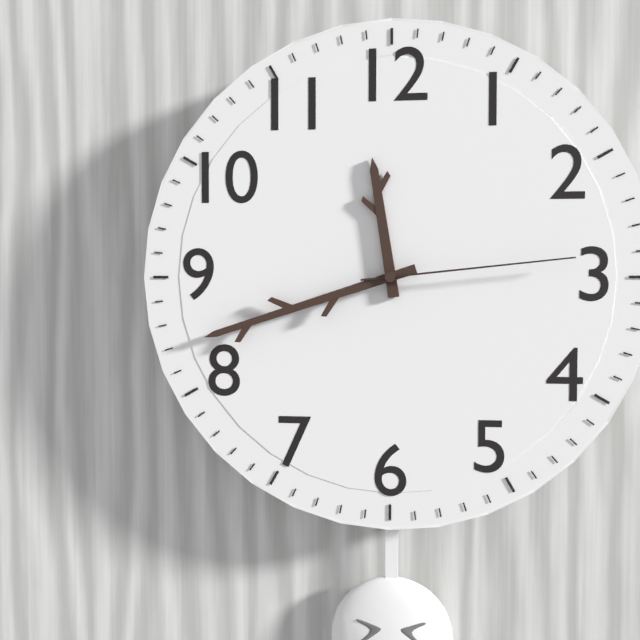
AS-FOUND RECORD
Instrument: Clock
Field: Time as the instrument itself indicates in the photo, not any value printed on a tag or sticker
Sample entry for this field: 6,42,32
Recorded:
11,42,14
